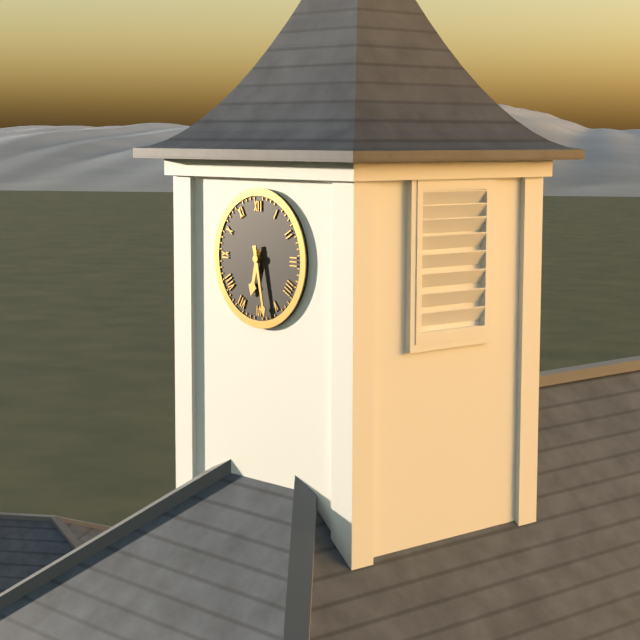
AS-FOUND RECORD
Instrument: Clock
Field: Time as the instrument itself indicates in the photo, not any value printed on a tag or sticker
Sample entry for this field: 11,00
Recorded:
6,28
